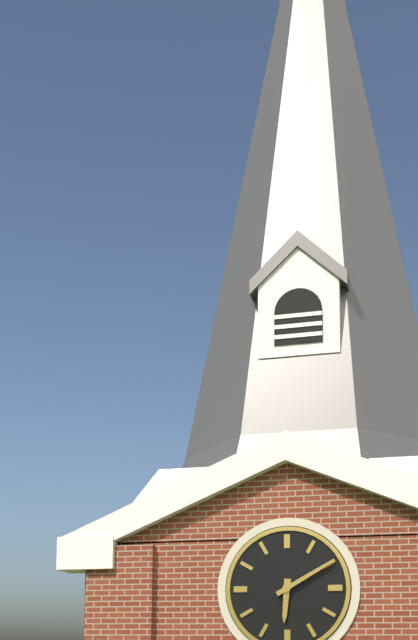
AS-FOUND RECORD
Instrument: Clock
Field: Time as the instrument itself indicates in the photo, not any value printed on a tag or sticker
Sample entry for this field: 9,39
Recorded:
6,10
